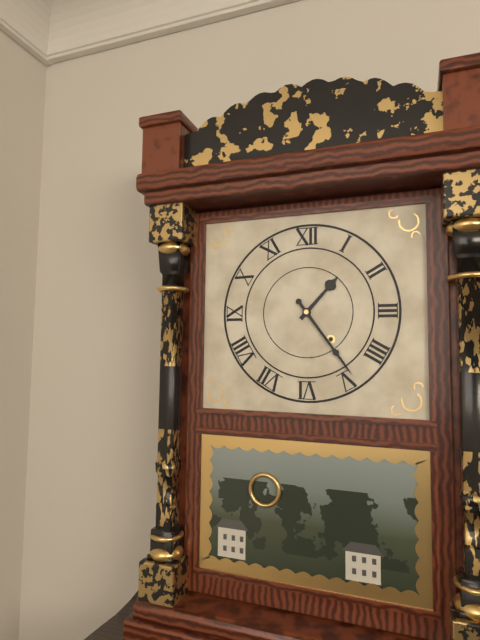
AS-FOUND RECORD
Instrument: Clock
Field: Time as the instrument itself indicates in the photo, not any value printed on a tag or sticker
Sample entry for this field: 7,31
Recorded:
1,24
